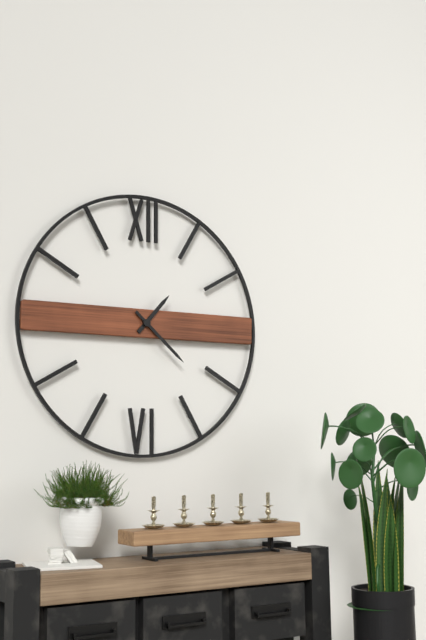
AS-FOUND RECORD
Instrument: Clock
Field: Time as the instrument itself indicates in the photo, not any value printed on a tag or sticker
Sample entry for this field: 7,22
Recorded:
1,22
